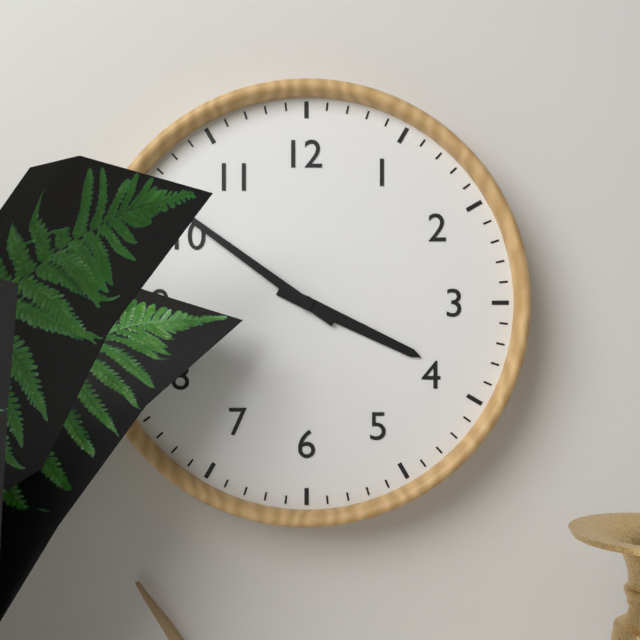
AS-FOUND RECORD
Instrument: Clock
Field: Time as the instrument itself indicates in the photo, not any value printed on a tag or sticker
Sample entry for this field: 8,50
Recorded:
3,51
